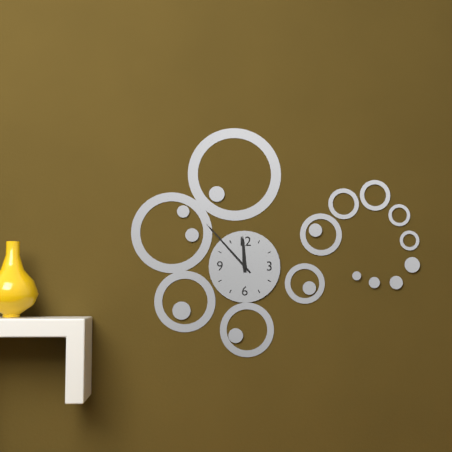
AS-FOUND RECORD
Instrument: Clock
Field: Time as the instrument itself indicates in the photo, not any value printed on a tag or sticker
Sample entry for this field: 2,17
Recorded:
11,53
